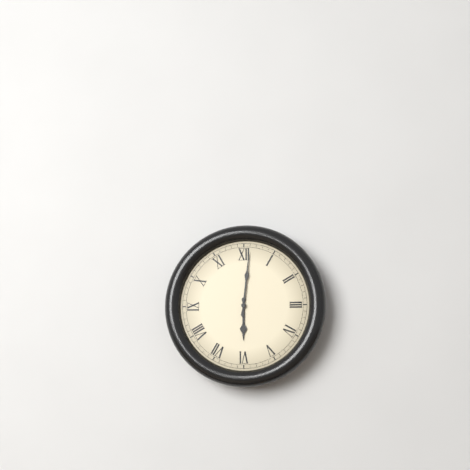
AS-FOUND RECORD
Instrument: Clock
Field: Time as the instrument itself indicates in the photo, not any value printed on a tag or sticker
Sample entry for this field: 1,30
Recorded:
6,01
